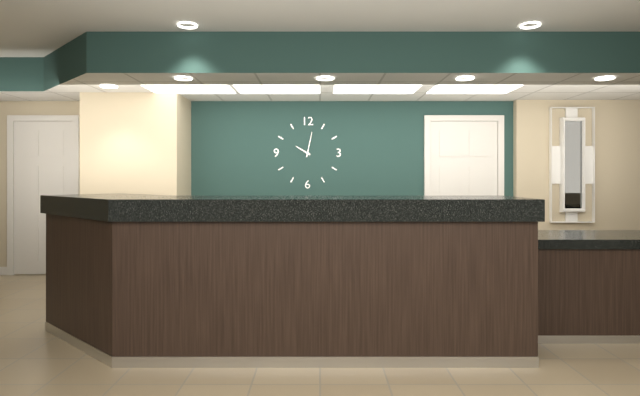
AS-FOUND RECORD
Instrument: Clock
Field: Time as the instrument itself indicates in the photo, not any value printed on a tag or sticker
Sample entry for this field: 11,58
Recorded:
10,02
